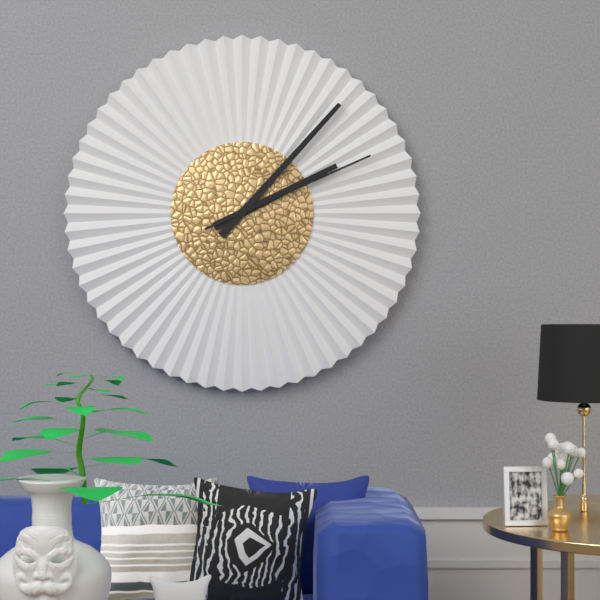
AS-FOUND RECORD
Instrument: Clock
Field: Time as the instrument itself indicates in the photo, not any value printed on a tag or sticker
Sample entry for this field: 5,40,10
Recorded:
2,07,11
